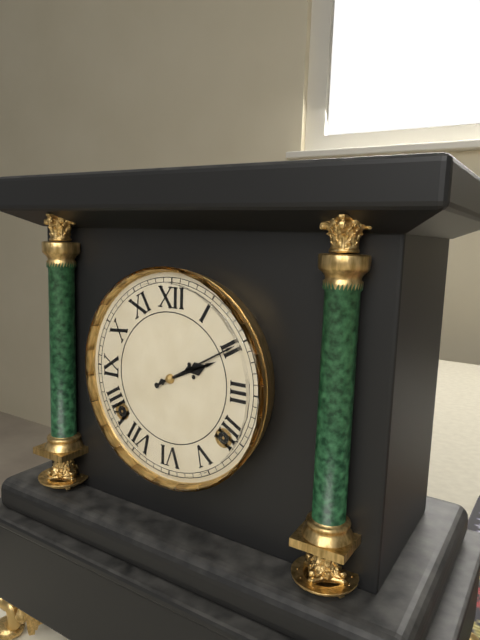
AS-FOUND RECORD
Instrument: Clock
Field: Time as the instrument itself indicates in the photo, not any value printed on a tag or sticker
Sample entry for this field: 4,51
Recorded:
2,10
